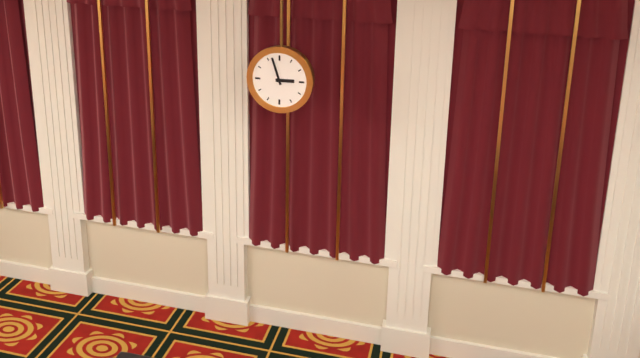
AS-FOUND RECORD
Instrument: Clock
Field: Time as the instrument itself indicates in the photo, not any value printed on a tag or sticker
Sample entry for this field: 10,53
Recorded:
2,57
